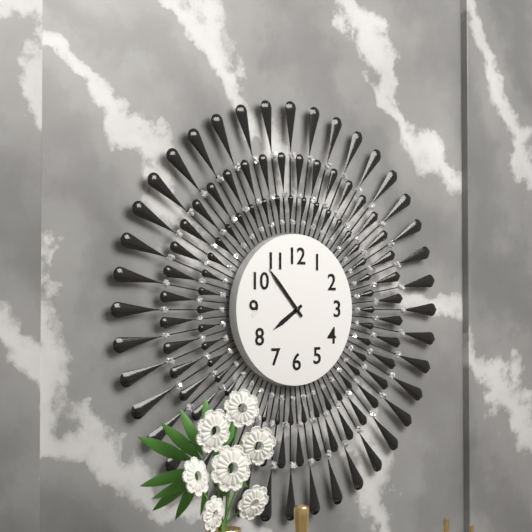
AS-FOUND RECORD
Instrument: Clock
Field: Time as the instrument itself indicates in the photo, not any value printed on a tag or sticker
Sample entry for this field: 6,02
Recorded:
7,53
